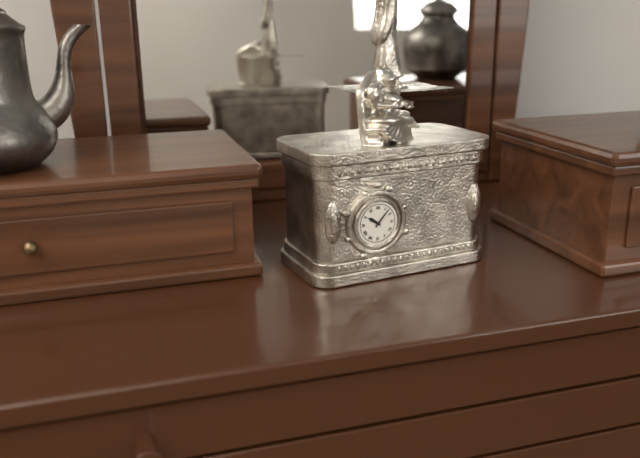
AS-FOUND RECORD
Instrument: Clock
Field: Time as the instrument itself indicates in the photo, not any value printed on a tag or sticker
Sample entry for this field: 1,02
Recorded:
10,07
